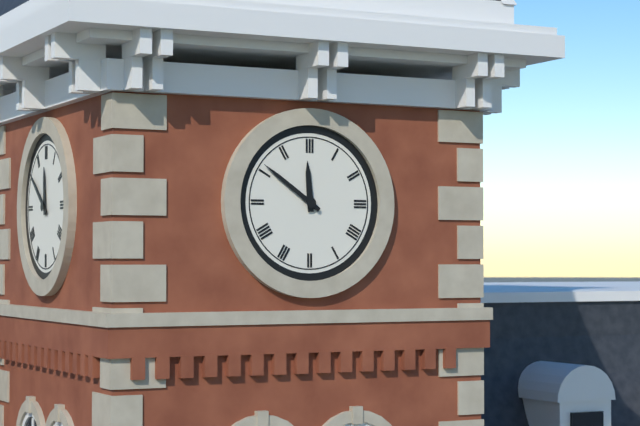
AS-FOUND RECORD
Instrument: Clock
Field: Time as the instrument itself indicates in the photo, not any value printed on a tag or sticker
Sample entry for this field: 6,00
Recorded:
11,51
